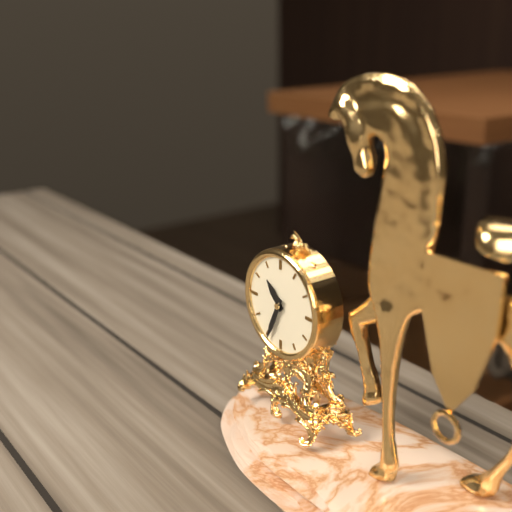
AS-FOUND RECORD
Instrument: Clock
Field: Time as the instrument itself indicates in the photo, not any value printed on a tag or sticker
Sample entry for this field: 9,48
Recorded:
10,34
